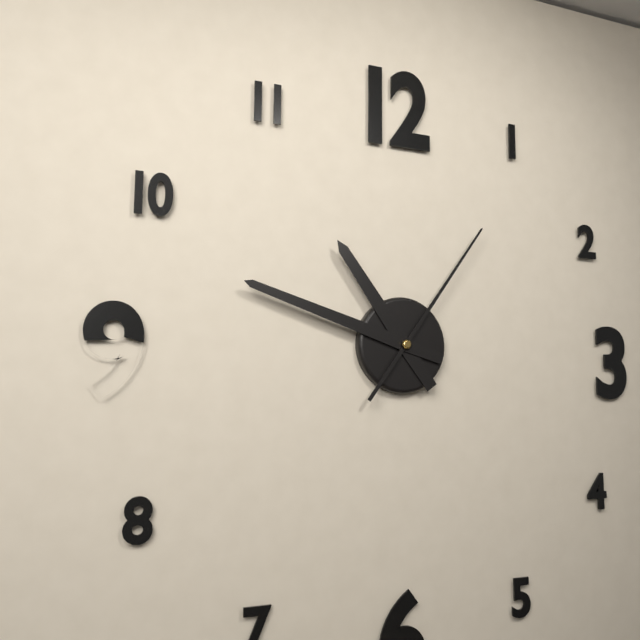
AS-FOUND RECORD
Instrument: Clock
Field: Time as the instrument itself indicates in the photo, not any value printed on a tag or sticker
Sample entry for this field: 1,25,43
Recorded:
10,48,06
